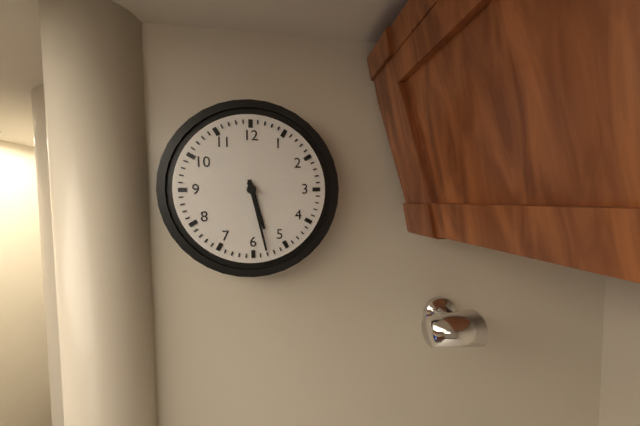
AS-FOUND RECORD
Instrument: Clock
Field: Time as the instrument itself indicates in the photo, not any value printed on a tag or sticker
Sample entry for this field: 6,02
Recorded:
5,28
